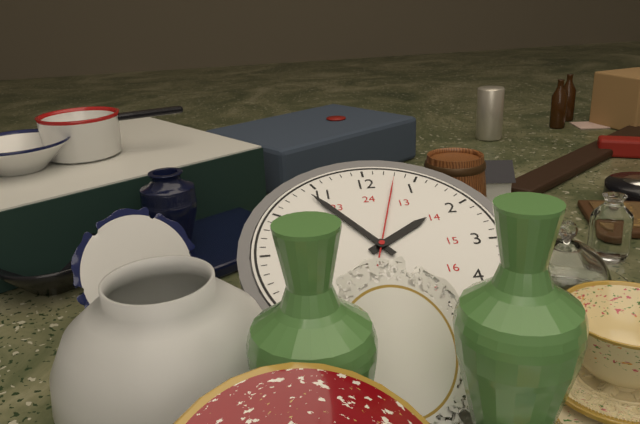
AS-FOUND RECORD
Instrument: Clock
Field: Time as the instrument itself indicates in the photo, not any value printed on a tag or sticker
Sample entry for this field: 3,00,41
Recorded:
1,54,03
